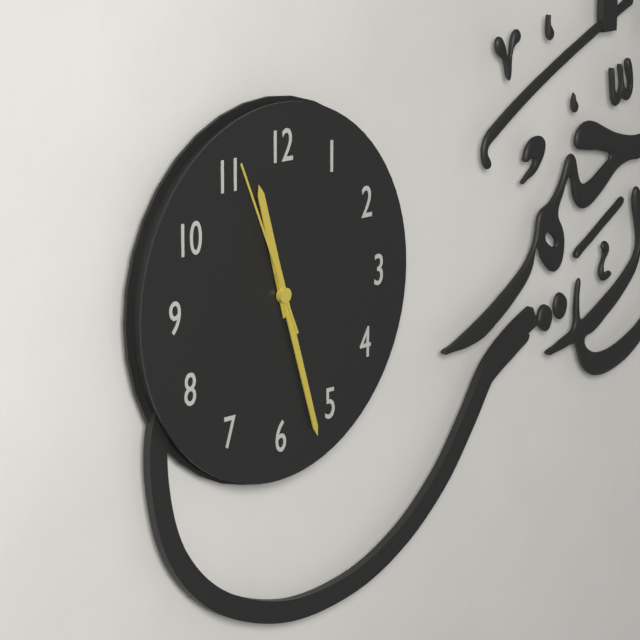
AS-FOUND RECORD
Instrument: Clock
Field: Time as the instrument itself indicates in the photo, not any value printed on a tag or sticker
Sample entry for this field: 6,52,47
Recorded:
11,27,56
